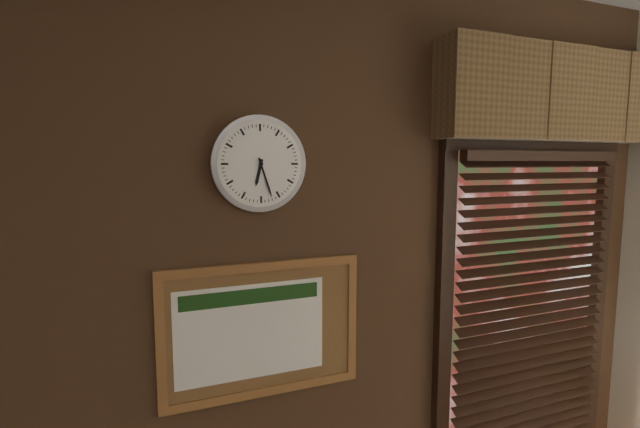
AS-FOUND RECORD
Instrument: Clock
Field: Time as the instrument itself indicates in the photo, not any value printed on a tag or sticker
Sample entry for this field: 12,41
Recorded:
6,27
